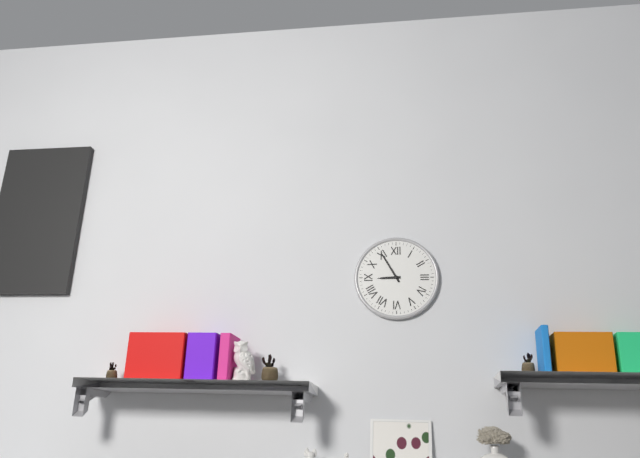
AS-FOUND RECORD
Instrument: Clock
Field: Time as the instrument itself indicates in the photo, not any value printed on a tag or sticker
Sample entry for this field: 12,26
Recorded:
8,55
